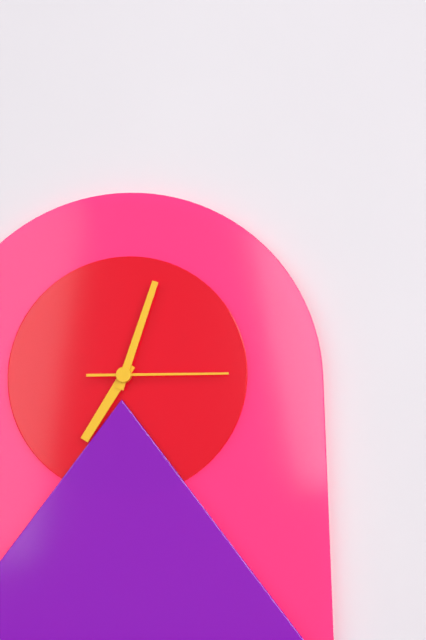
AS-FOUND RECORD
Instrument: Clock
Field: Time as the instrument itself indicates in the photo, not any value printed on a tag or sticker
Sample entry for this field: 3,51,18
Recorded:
7,03,15
